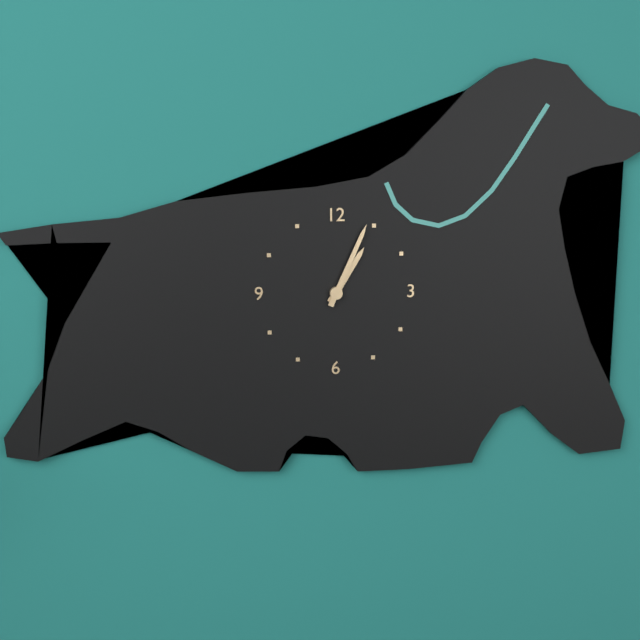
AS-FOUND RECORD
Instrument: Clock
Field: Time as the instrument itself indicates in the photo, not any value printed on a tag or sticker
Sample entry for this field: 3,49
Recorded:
1,04
